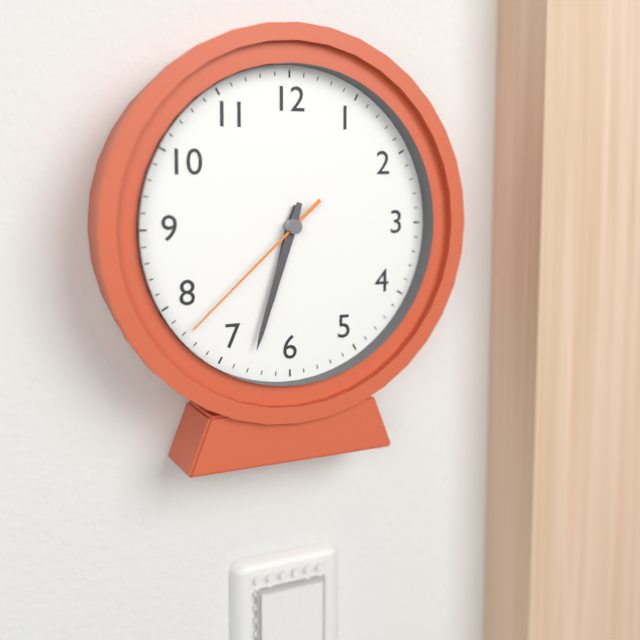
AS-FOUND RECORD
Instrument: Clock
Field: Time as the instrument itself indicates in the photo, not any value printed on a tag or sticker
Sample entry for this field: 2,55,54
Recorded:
6,33,38
